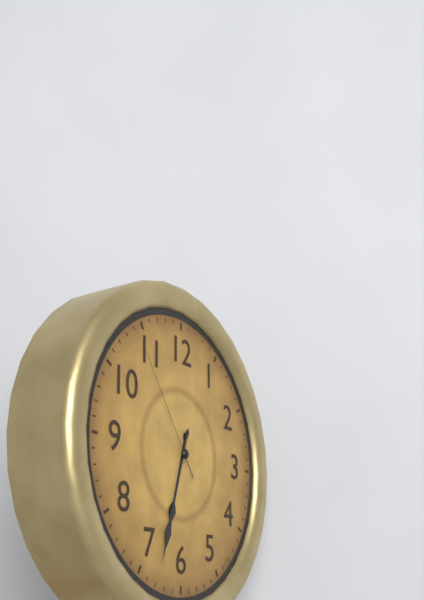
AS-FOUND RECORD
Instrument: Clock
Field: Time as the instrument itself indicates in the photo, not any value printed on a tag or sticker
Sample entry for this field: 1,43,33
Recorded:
6,33,54
